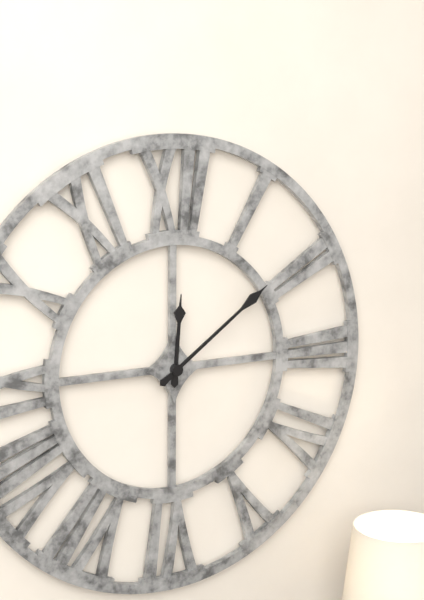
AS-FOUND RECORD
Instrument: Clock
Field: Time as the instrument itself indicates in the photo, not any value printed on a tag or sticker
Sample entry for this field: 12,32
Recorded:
12,09
